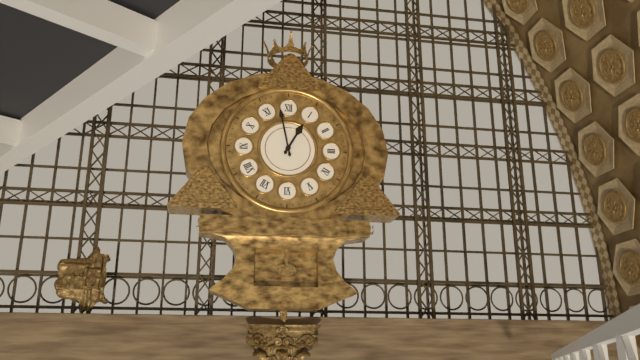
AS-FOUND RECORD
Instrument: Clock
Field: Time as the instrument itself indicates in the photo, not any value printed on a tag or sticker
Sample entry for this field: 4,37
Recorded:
12,58
